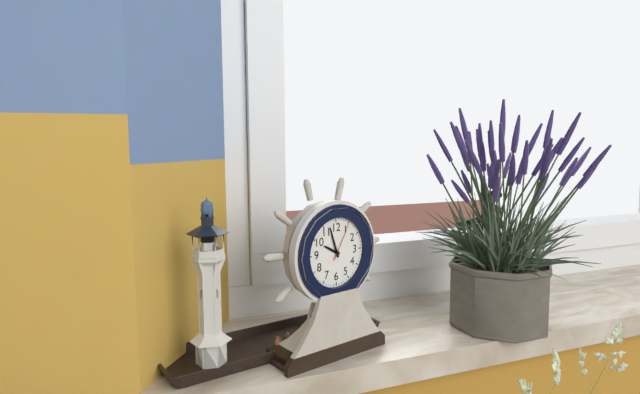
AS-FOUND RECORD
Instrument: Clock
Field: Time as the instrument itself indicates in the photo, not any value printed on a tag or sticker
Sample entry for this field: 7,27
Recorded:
9,57
